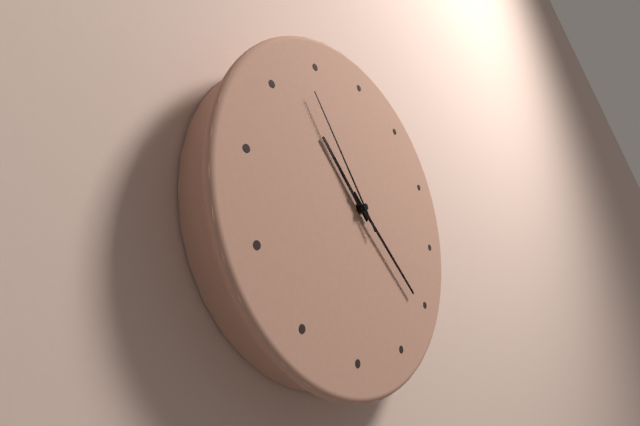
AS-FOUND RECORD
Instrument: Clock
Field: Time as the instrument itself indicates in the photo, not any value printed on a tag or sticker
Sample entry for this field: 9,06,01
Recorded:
10,21,53
